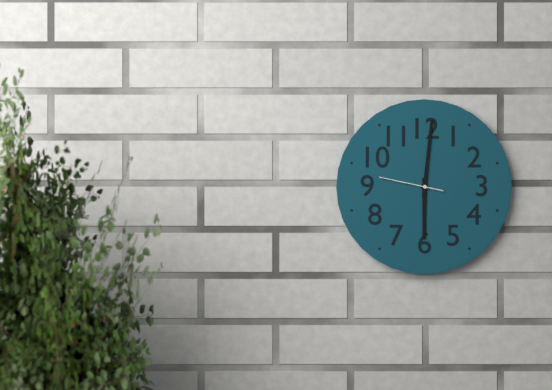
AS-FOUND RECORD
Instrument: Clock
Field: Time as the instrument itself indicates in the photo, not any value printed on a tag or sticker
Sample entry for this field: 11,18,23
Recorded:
6,01,47
